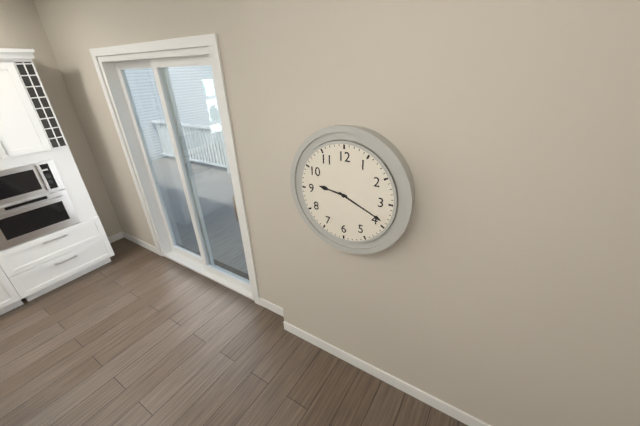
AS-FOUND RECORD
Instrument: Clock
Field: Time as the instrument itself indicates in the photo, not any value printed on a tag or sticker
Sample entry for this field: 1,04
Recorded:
9,19
